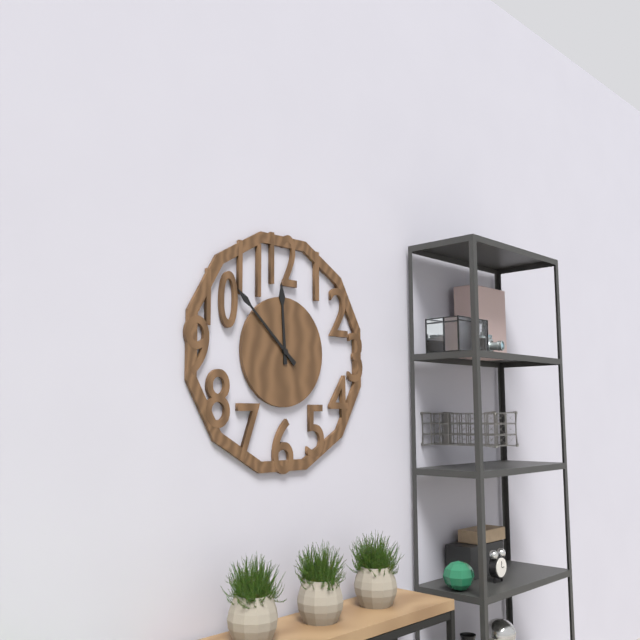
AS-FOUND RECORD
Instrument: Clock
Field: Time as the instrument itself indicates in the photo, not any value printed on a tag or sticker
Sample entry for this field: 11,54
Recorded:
11,52
